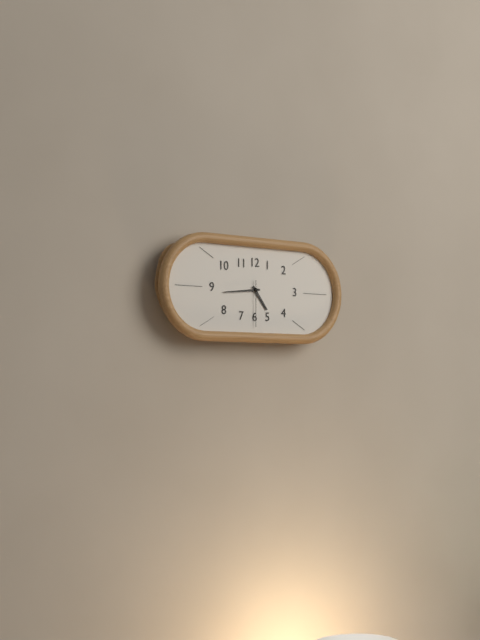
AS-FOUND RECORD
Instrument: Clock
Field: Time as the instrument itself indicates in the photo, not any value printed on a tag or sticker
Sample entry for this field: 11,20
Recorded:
4,44
